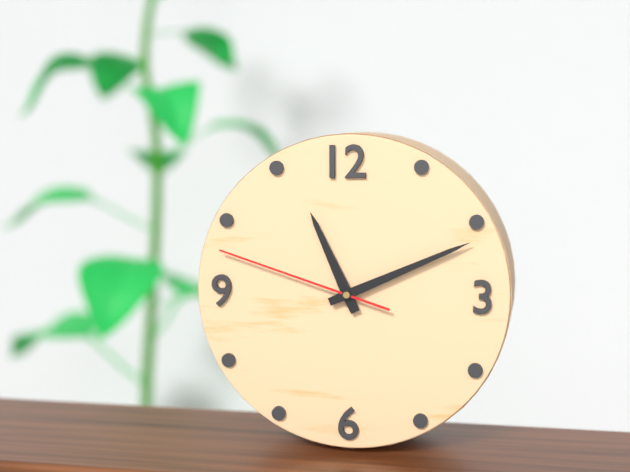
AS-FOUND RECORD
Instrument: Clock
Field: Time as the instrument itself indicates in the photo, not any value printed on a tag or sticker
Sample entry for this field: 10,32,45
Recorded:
11,11,48
